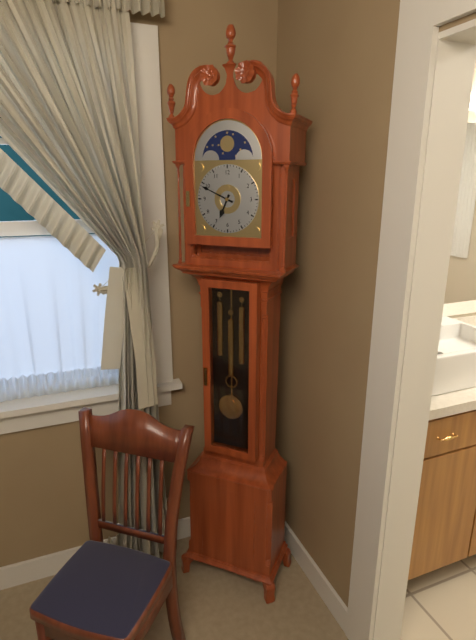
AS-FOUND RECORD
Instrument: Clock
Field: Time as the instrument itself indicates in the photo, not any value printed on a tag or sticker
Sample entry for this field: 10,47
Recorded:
6,49
